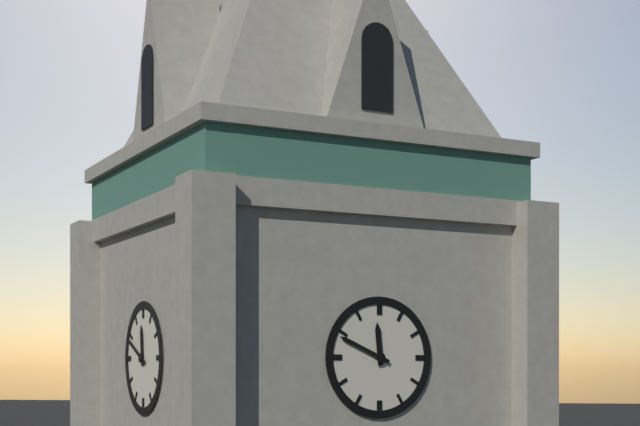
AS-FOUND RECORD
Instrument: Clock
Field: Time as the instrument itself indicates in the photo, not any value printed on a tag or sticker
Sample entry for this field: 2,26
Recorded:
11,49
